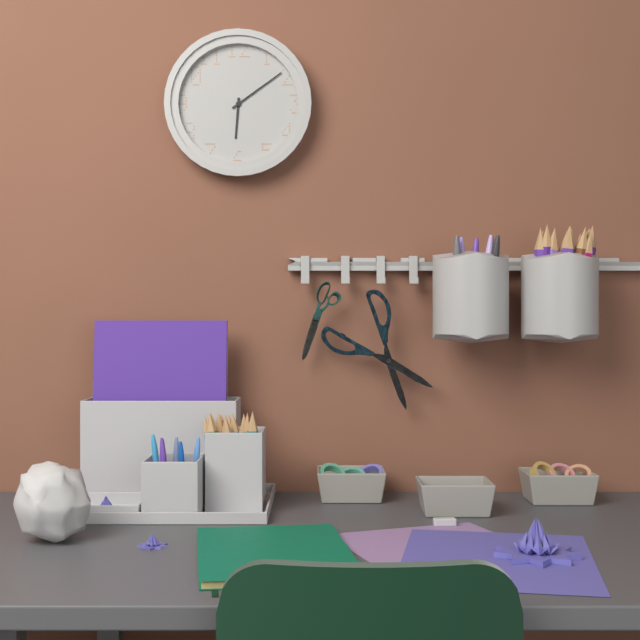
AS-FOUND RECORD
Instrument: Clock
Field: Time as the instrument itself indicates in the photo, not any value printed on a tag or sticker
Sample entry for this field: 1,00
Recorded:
6,09
